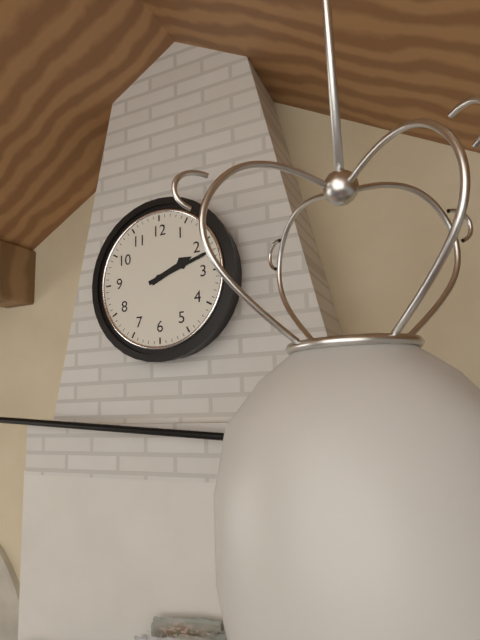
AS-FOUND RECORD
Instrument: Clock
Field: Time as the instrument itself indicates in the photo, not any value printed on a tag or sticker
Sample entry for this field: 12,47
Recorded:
2,12
